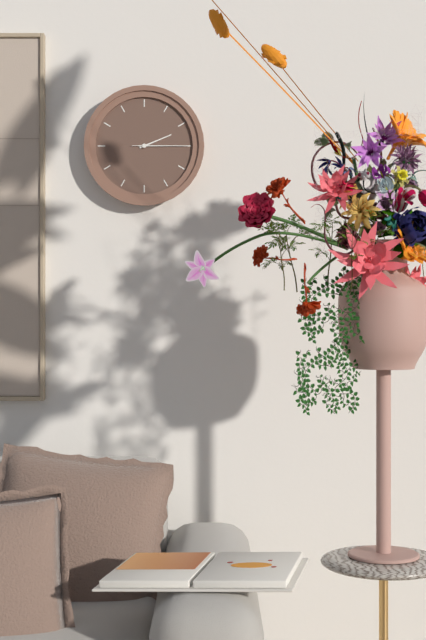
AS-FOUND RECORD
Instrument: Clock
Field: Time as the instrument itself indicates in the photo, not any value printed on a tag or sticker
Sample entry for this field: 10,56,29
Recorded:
2,15,15
